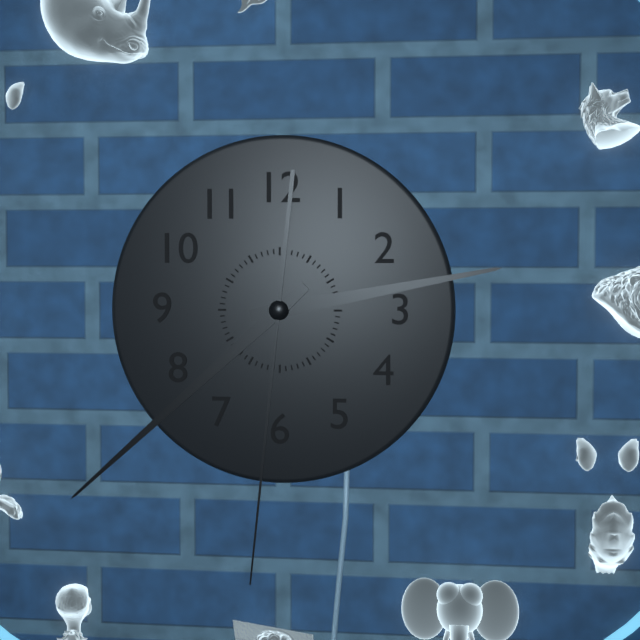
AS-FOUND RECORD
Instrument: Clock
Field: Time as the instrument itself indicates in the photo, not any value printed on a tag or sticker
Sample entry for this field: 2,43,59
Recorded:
2,38,31
